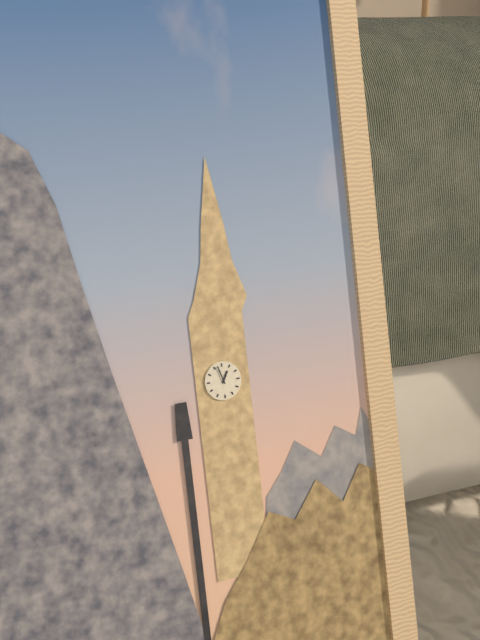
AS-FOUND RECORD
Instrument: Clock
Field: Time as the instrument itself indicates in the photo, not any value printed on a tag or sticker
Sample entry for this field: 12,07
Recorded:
12,57
